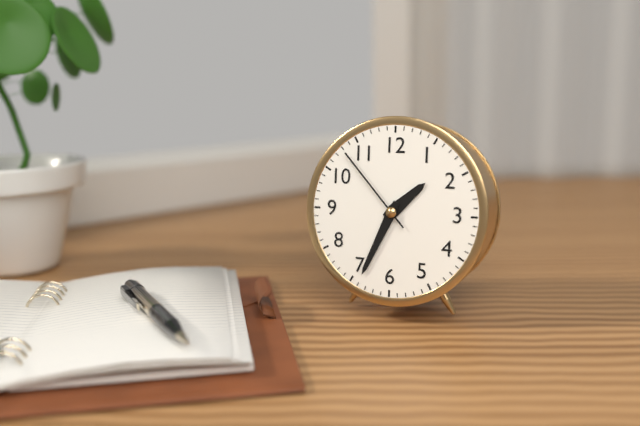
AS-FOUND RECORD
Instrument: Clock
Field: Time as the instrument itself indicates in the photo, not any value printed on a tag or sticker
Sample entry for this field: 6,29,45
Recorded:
1,34,53
